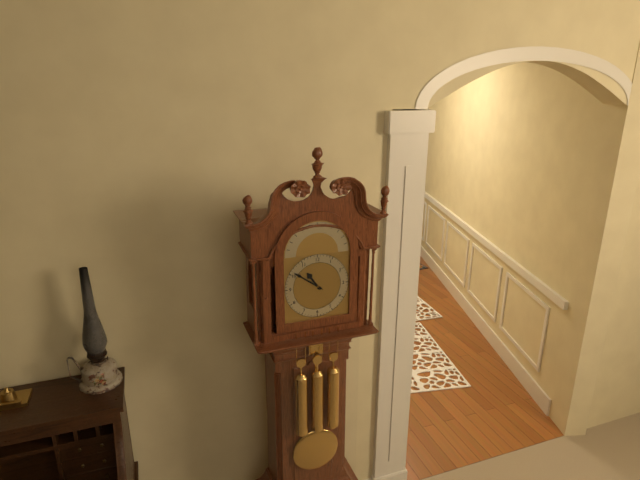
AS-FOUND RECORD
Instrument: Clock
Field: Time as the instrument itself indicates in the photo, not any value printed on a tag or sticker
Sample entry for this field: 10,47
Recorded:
10,51
